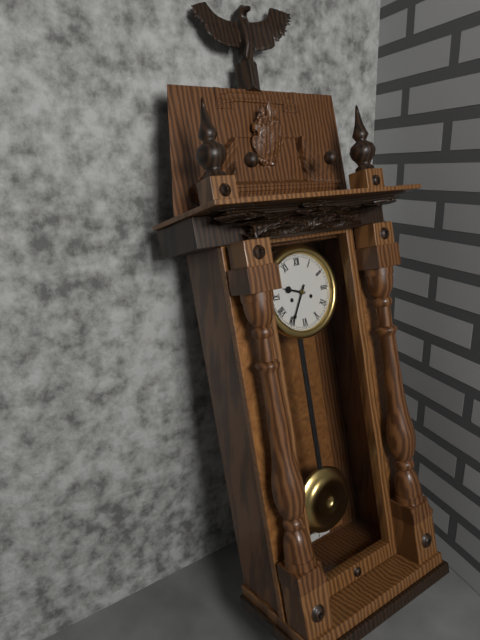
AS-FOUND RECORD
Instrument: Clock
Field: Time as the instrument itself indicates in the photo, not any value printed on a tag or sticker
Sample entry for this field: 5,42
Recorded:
9,35
